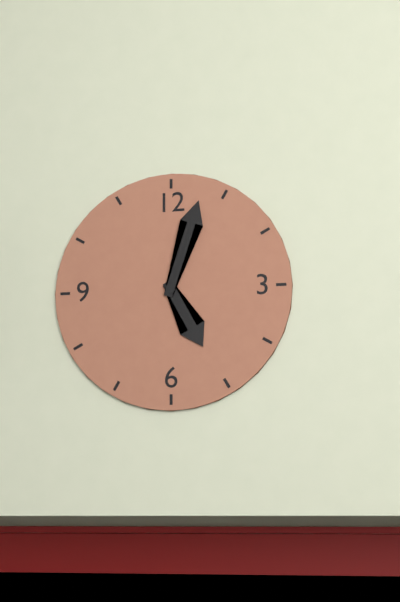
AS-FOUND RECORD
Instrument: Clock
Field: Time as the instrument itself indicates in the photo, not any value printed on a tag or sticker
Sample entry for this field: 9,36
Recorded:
5,03
